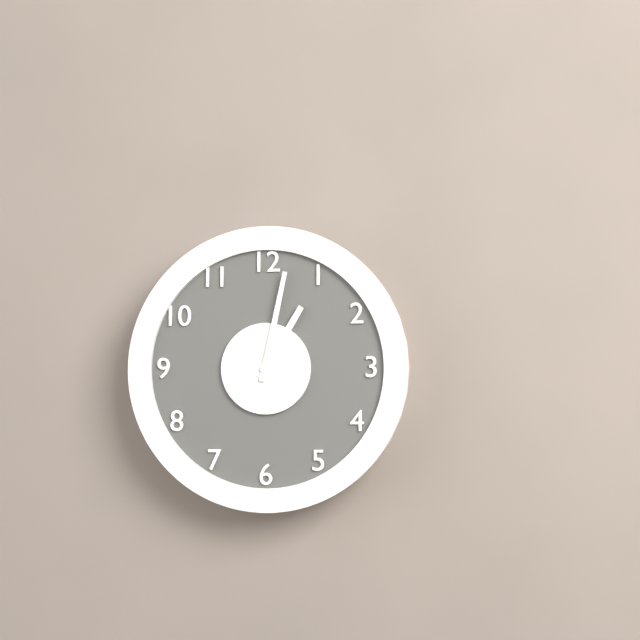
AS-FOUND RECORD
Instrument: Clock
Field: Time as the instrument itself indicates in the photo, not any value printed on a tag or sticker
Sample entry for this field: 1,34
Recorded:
1,02
